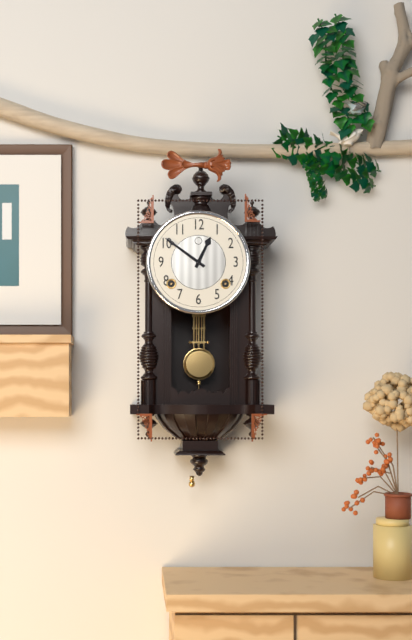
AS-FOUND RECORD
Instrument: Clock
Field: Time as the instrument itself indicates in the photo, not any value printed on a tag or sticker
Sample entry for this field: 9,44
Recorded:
12,51
